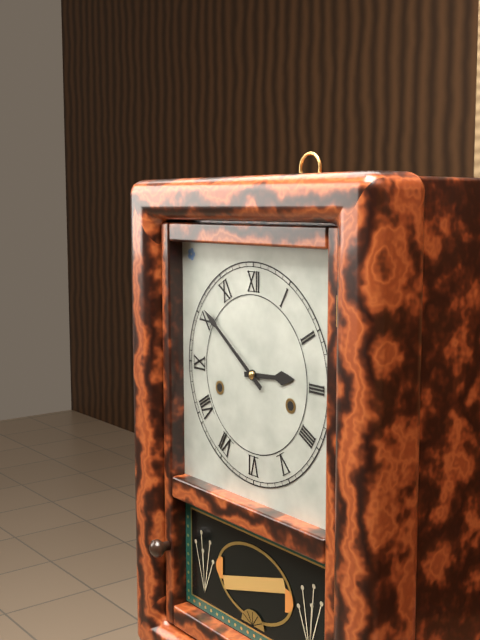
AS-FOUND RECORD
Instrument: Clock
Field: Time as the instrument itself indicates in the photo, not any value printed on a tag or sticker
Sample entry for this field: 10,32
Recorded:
2,51
